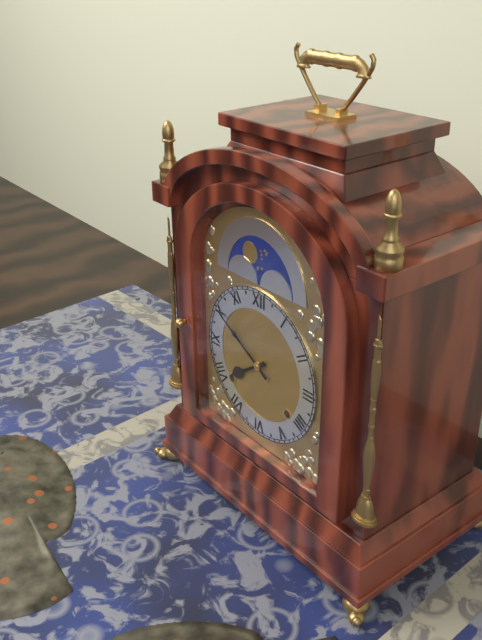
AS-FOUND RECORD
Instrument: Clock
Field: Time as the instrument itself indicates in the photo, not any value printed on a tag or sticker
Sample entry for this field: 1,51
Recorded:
7,50
